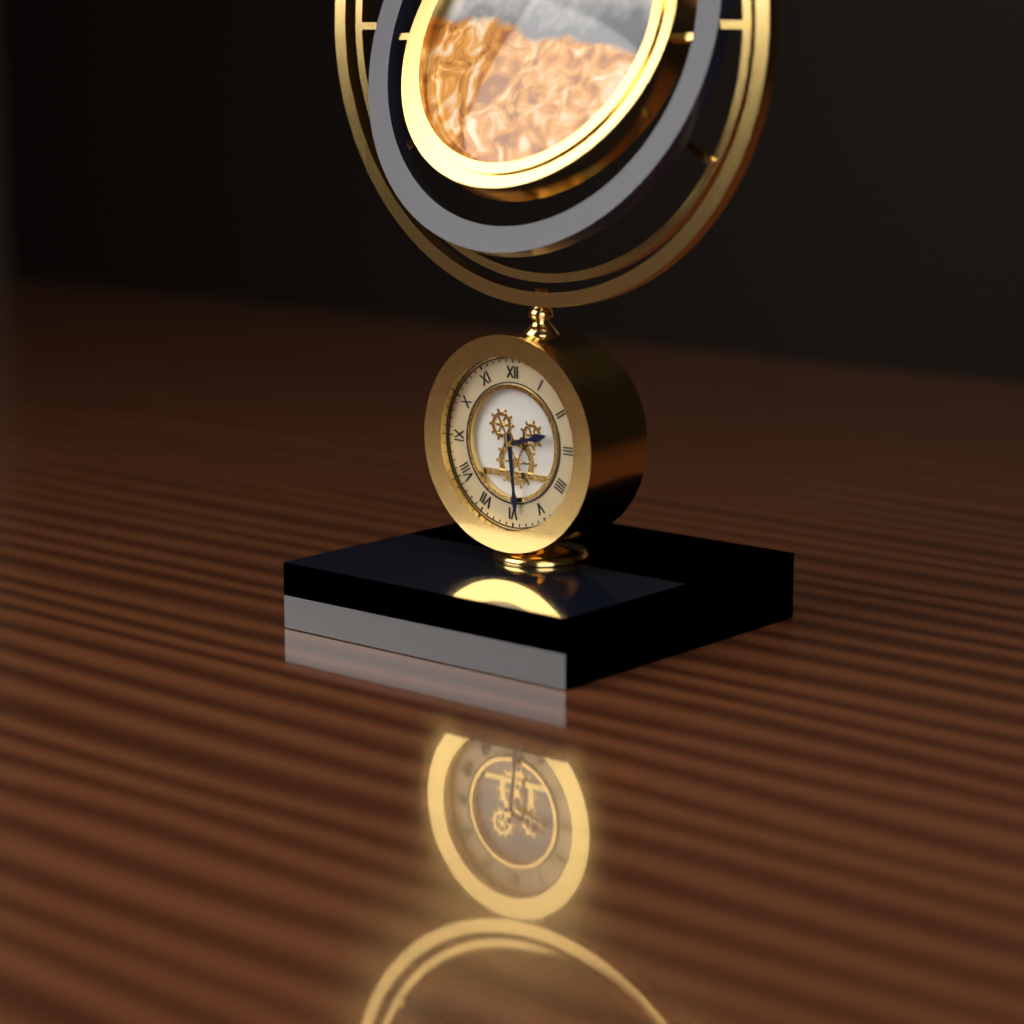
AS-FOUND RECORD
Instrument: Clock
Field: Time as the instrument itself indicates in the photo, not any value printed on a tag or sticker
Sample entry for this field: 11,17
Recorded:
2,29
